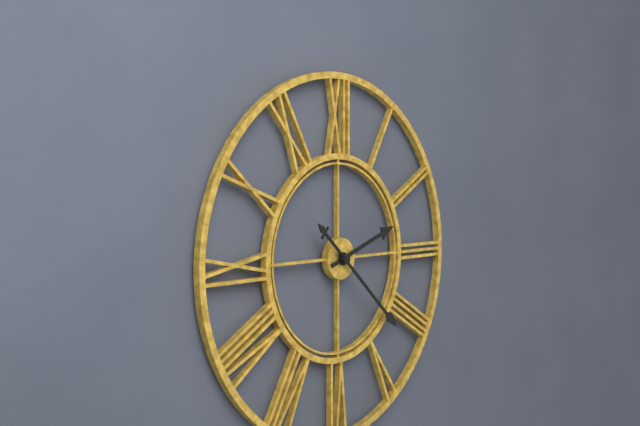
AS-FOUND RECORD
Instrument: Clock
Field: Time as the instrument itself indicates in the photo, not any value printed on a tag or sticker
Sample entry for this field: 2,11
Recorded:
2,22
